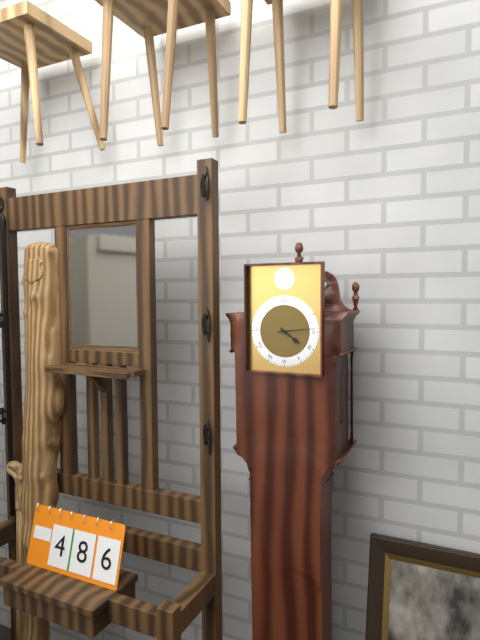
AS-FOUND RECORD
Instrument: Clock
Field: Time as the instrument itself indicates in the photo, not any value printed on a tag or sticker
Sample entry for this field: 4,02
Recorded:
4,14
